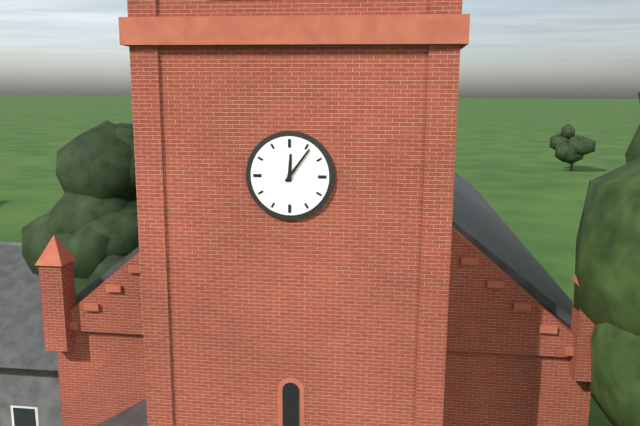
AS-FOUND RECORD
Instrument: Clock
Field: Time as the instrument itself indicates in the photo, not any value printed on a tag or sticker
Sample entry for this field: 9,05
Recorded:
12,06
